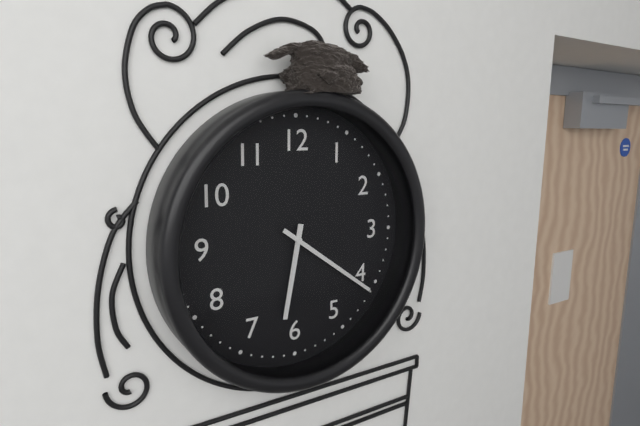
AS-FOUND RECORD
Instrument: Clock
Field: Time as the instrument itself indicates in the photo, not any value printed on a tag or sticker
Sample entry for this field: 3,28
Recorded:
6,21
